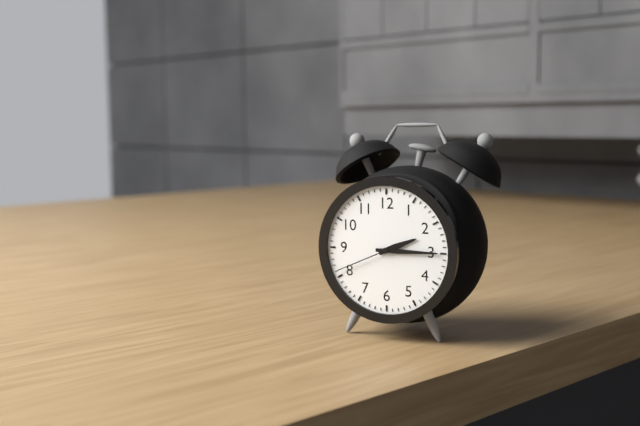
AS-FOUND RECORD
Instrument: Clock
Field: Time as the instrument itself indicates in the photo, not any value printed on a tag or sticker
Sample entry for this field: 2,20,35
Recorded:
2,15,41
